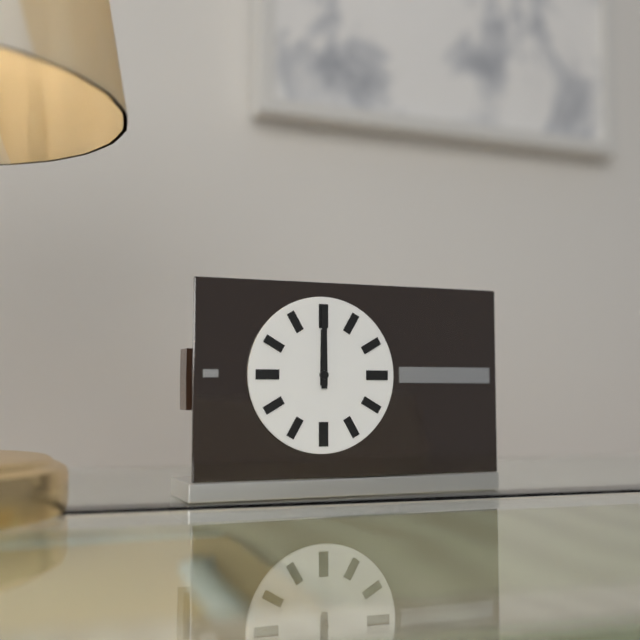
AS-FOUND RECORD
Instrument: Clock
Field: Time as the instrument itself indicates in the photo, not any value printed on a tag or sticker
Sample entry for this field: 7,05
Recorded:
12,00
